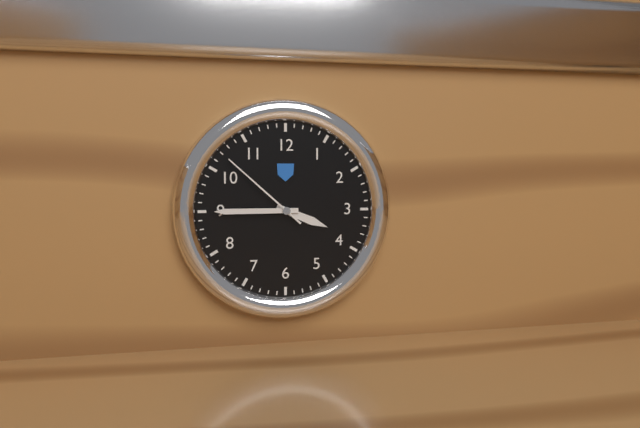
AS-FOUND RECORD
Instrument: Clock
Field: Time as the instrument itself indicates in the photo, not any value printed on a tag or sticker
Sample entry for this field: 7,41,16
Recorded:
3,45,52
